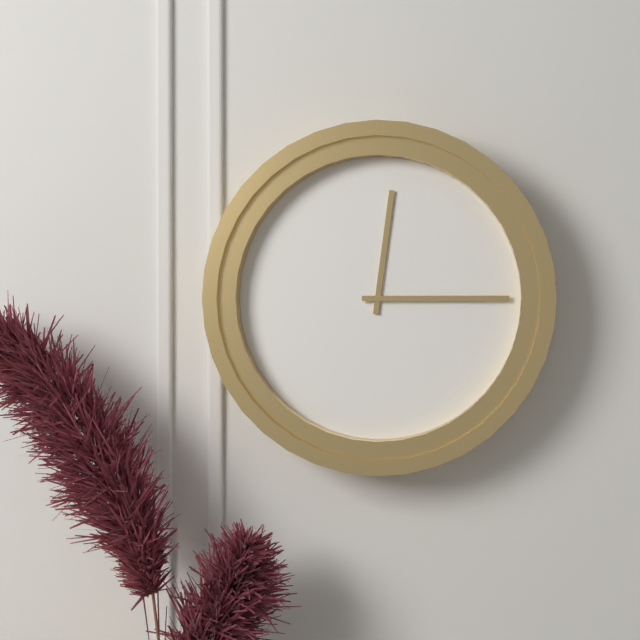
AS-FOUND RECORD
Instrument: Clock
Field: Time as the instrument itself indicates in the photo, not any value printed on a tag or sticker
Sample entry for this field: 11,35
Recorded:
12,15
